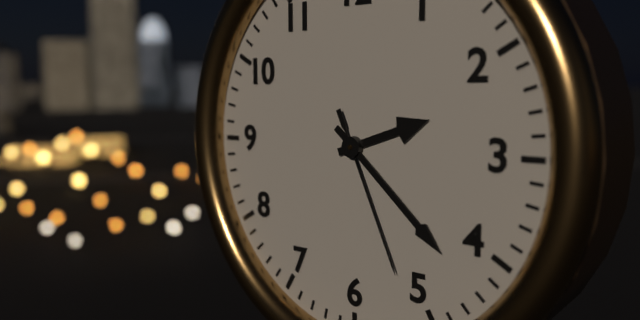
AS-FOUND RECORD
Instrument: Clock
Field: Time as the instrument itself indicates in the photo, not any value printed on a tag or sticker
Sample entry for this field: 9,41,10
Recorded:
2,22,26
